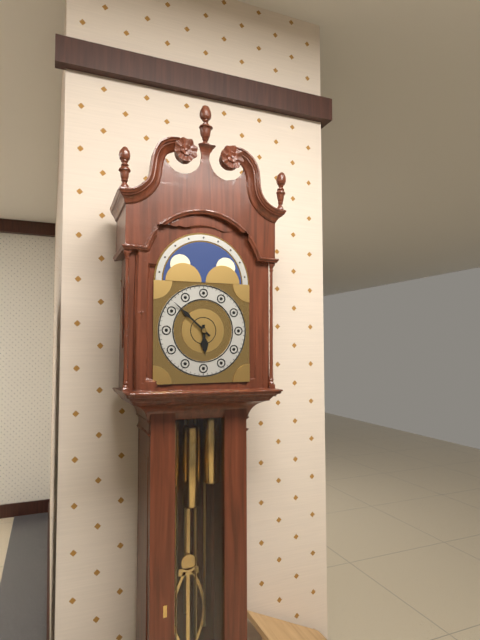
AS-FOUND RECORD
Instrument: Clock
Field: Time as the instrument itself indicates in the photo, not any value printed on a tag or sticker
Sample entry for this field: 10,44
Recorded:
5,52
